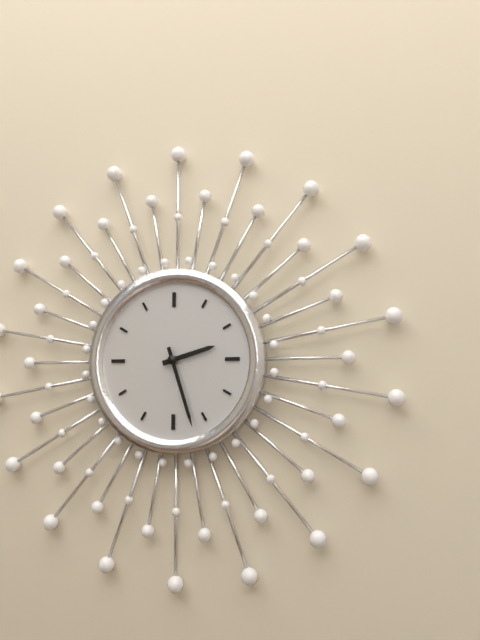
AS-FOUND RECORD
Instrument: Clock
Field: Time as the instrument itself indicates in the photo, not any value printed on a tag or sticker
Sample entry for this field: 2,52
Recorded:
2,27
